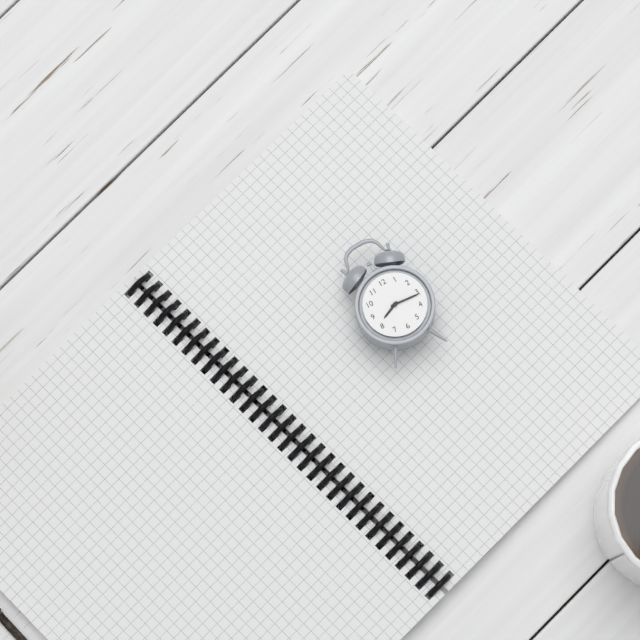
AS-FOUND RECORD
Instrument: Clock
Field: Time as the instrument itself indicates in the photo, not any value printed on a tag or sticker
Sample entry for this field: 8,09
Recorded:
8,16
